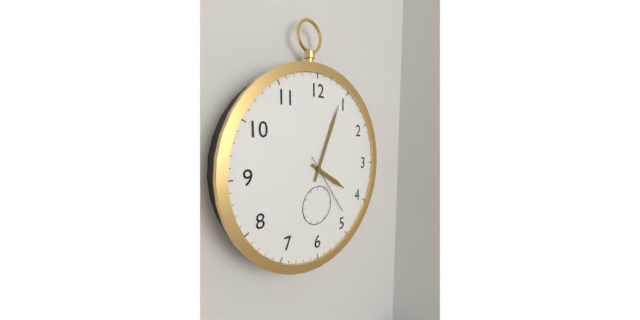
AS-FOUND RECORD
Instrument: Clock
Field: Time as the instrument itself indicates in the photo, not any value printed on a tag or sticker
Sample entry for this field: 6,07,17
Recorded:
4,04,24
